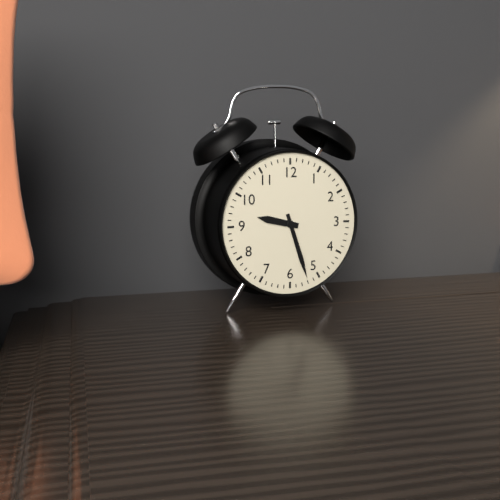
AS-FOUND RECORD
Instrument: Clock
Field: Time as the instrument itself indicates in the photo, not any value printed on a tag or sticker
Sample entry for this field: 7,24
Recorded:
9,27
